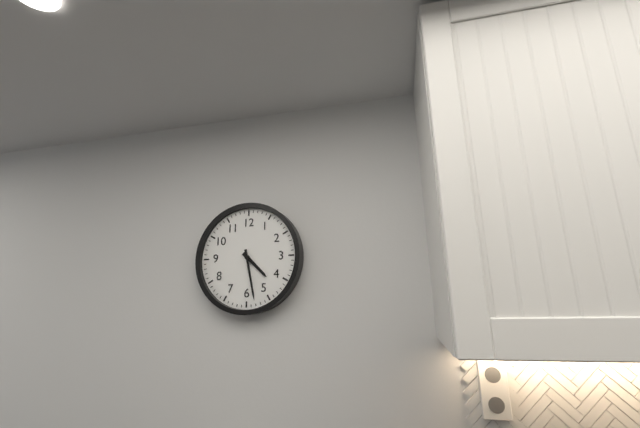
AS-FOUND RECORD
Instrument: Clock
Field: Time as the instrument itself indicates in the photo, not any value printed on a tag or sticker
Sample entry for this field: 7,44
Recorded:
4,28
